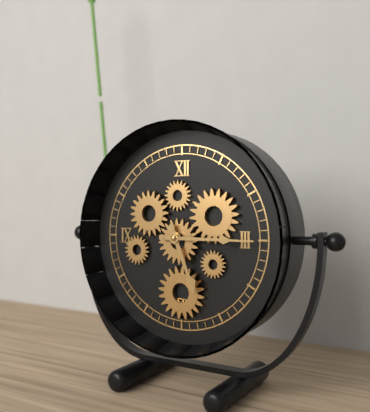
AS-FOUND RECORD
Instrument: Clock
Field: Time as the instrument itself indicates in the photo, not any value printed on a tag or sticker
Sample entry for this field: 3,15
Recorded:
5,15
